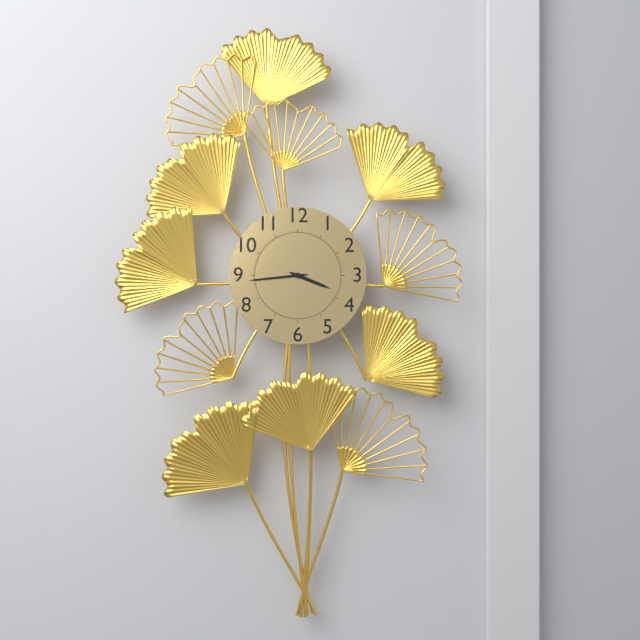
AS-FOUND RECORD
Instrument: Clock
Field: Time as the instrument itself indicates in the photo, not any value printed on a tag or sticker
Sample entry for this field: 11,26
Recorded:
3,44
